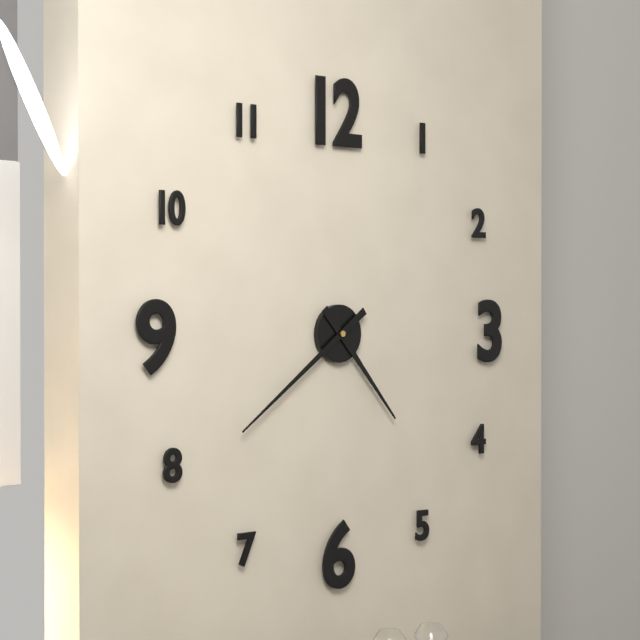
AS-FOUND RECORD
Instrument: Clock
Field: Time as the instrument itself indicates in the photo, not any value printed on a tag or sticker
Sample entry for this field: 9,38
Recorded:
4,39
